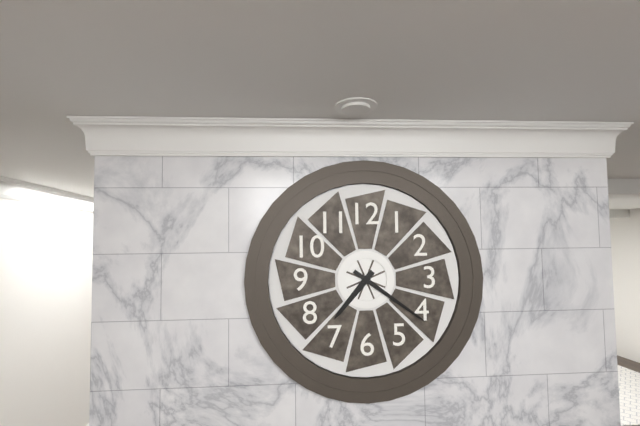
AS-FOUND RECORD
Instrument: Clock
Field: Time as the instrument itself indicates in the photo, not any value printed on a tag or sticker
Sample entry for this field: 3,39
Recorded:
7,21
